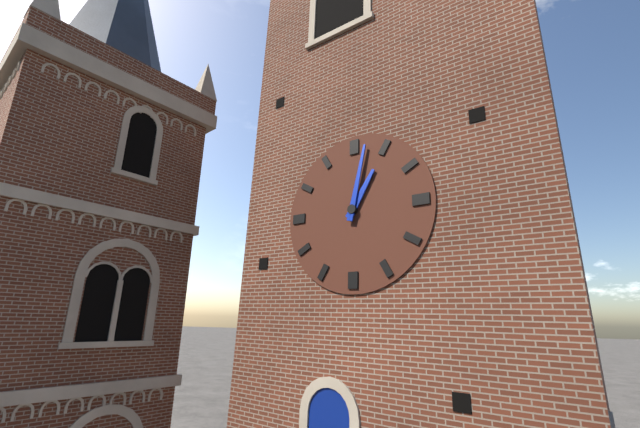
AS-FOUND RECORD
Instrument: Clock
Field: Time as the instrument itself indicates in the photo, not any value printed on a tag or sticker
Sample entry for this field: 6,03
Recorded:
1,02
